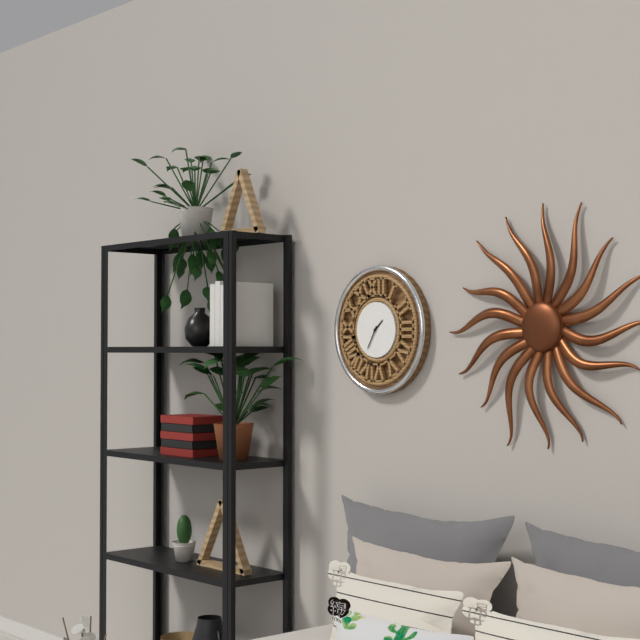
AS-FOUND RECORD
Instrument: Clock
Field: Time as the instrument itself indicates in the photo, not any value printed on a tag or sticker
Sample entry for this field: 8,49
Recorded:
1,35
